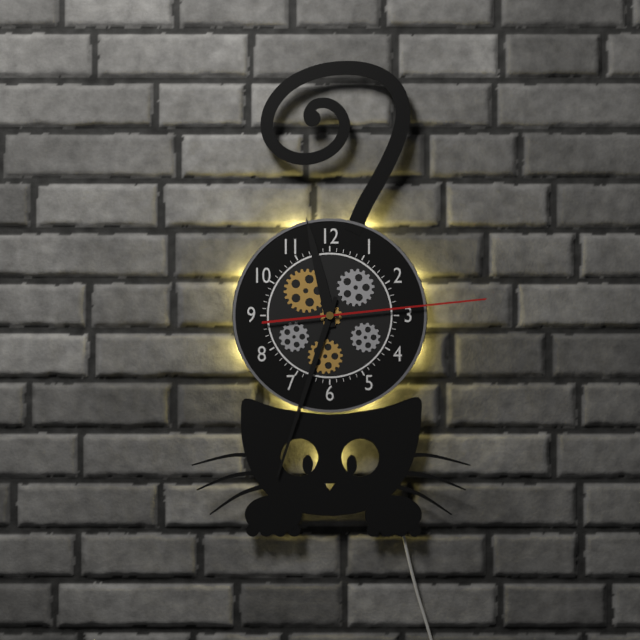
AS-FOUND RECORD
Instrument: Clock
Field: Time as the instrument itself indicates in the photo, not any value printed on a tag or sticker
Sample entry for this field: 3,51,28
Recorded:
11,33,14
